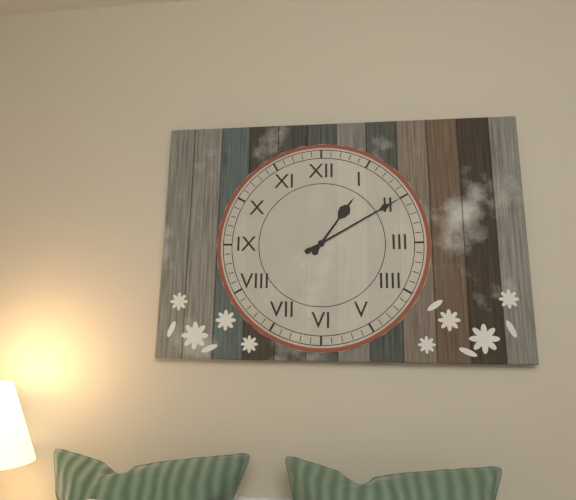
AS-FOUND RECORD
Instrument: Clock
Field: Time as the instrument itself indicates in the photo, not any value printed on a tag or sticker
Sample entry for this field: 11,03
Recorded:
1,10
